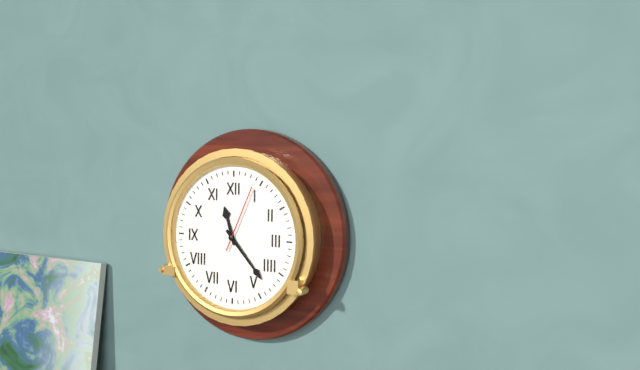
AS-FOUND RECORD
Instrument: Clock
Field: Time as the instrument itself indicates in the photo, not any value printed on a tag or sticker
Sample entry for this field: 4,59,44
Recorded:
11,23,04
